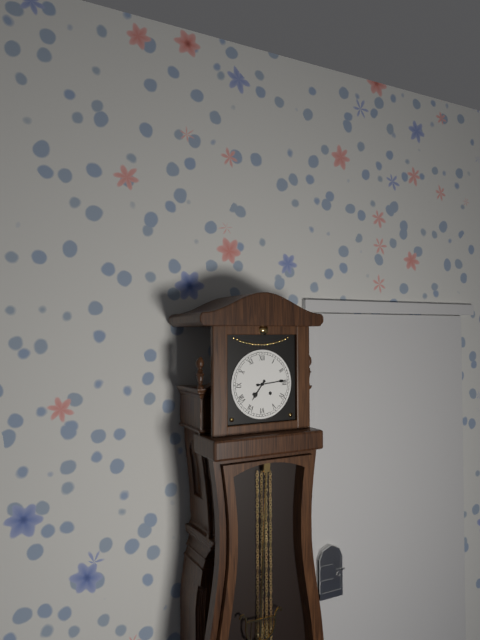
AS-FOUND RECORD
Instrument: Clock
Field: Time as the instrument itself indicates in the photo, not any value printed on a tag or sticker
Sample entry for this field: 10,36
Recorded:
7,14
